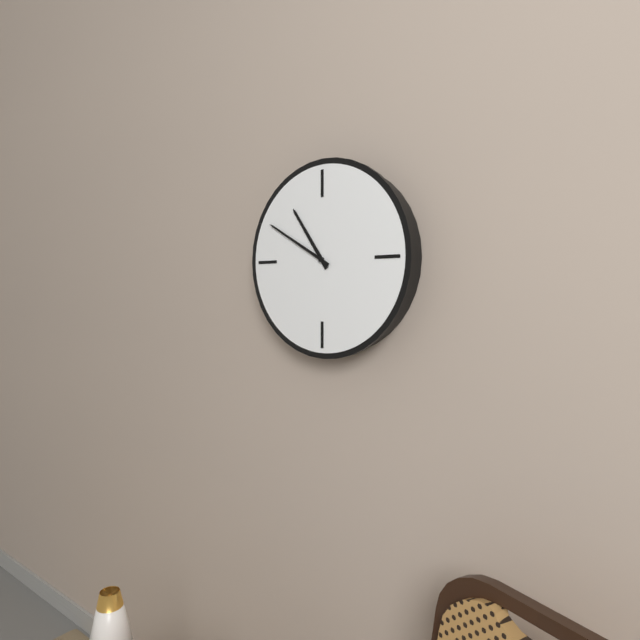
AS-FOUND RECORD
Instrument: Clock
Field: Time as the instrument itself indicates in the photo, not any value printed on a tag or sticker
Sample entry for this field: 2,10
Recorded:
10,50
